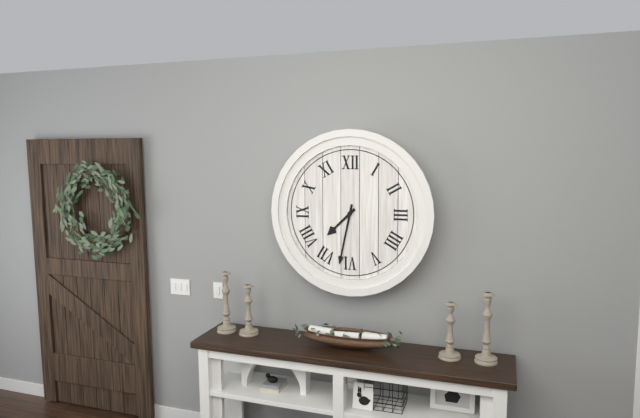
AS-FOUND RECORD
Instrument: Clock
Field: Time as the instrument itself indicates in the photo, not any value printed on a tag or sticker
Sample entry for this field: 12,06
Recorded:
7,32
